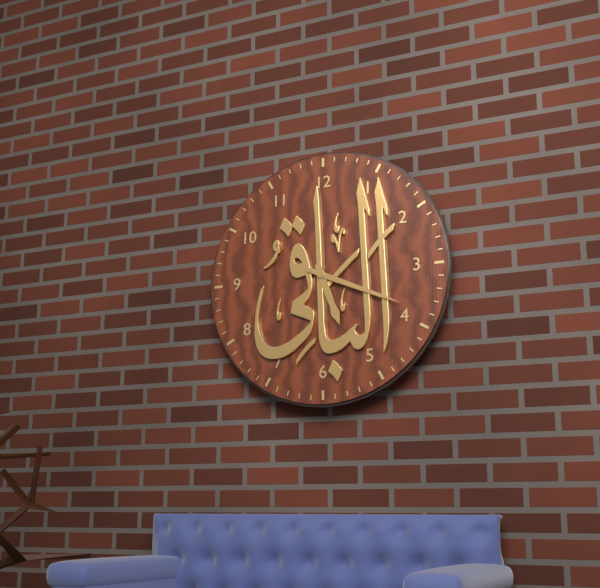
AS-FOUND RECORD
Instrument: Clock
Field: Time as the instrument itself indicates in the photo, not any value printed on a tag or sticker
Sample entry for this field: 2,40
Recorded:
5,19
